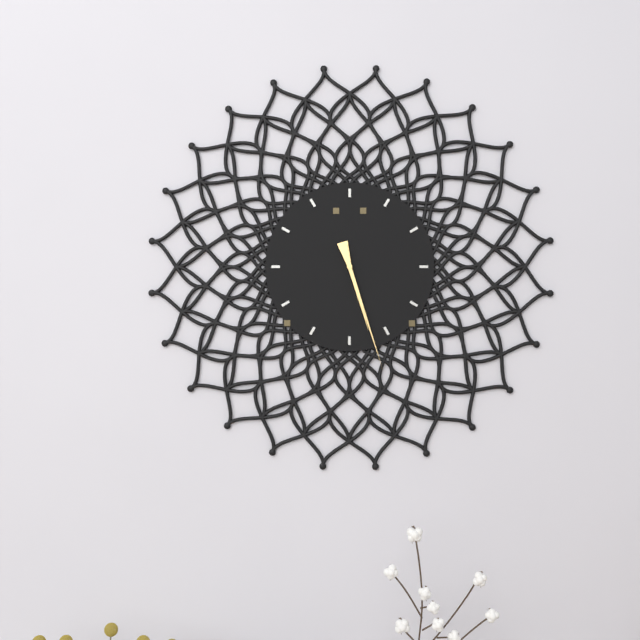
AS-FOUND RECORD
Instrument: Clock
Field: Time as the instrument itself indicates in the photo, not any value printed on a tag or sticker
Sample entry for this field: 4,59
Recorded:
5,27
